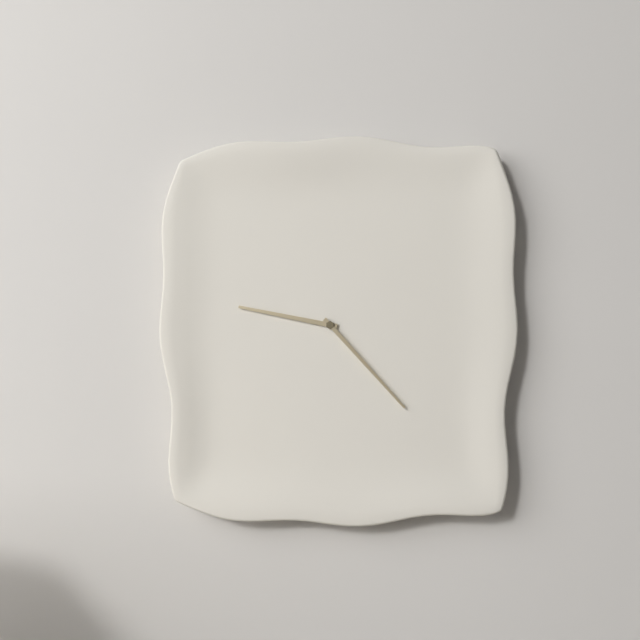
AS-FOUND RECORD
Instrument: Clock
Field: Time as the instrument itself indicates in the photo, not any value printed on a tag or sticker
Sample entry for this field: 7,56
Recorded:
9,23
